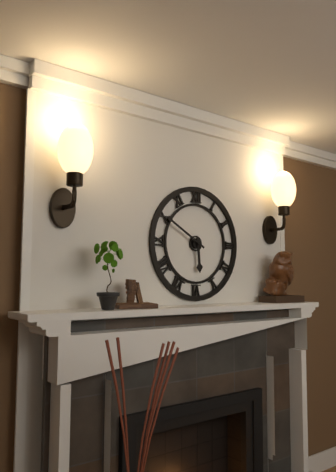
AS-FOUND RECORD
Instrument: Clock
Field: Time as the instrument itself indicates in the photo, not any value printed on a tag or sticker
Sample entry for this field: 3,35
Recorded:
5,50
